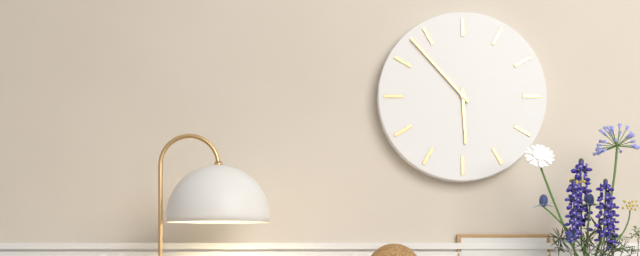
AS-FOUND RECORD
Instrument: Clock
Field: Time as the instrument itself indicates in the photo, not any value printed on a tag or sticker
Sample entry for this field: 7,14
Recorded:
5,53
